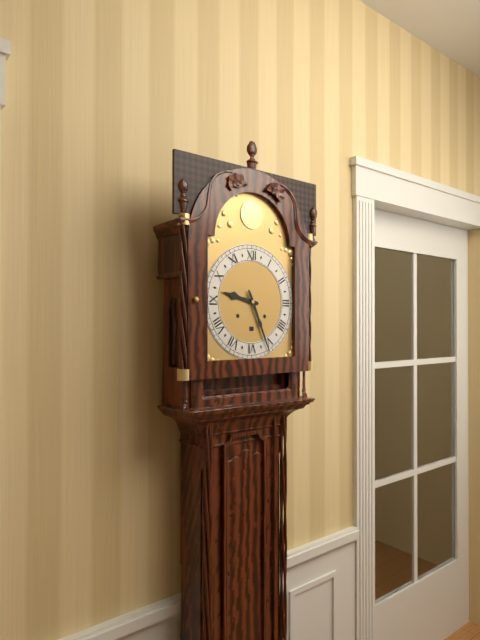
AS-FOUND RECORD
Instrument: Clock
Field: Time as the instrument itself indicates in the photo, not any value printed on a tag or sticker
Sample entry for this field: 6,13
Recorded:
9,26
